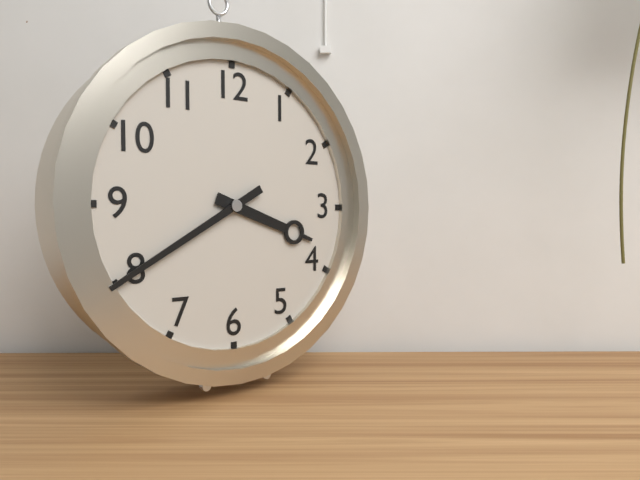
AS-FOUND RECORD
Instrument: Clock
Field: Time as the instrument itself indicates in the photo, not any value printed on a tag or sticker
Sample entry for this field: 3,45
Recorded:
3,40
